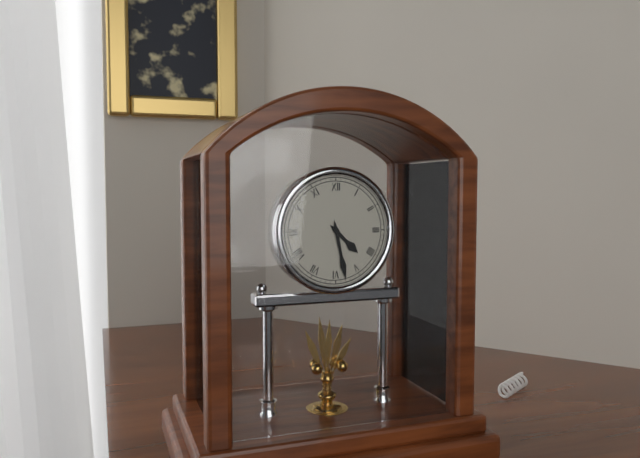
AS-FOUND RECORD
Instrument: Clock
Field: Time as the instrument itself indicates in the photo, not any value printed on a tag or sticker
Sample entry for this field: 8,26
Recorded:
4,28
